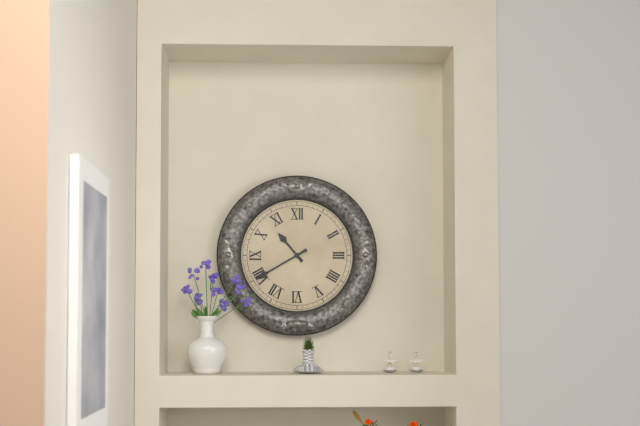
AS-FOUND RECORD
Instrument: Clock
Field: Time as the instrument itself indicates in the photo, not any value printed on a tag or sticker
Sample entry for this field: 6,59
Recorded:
10,40
